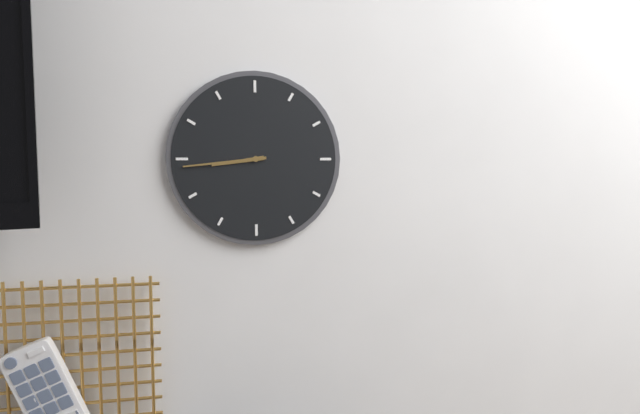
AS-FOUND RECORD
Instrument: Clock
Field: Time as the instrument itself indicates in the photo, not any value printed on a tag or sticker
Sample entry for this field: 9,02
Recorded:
8,44
